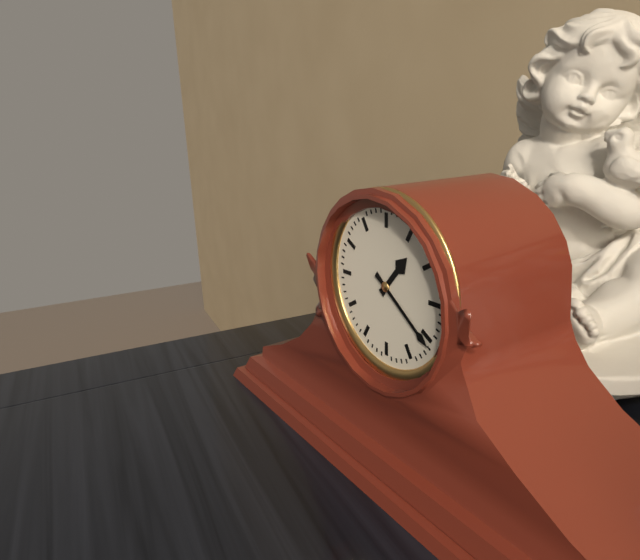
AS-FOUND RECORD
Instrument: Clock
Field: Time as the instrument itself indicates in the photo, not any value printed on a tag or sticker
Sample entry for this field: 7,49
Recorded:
1,21
